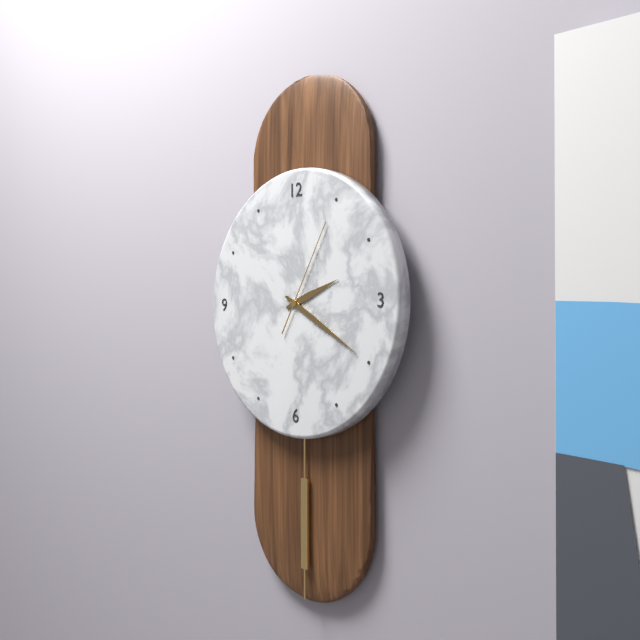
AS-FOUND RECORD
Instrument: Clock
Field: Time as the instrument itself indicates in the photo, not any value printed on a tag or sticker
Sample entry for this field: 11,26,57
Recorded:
2,20,05
